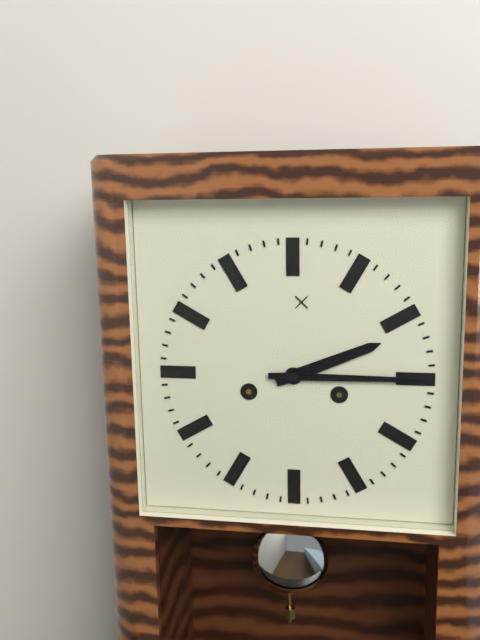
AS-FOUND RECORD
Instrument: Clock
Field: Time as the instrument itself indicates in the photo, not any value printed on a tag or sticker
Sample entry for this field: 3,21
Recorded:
2,15
